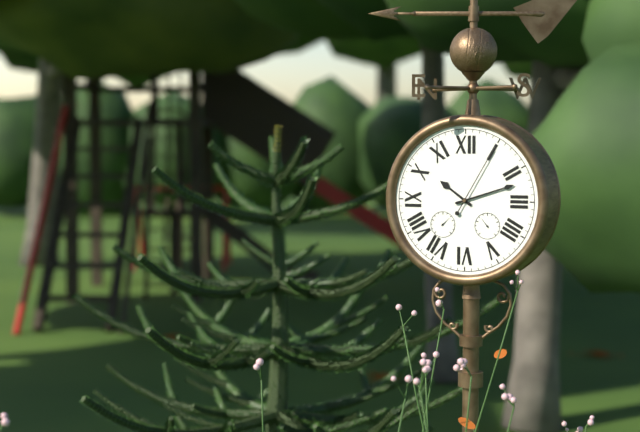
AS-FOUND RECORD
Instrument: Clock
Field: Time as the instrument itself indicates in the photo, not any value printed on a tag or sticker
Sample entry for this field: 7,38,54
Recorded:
10,12,05
